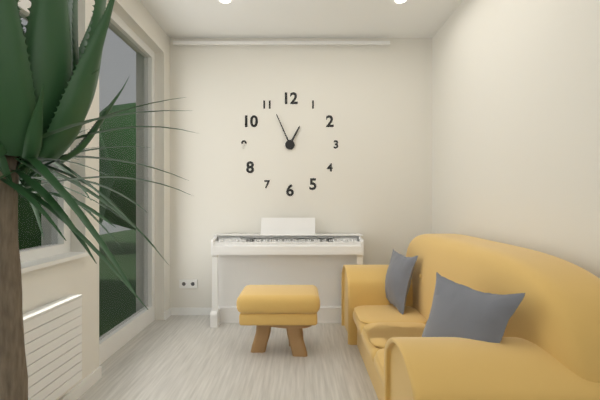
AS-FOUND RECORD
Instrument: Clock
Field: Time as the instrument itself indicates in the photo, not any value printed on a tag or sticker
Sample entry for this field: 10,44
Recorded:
12,56
